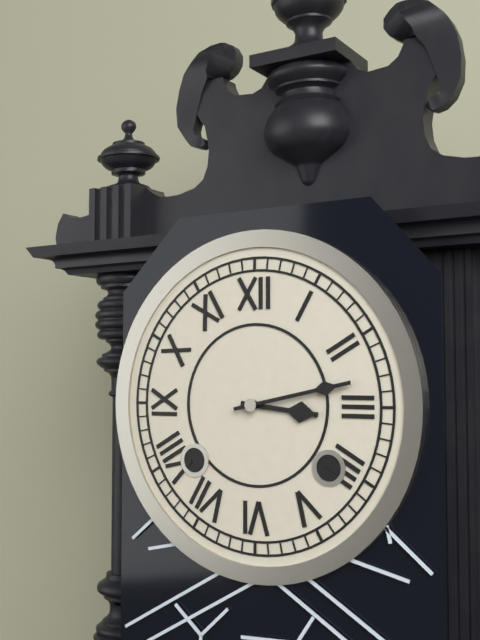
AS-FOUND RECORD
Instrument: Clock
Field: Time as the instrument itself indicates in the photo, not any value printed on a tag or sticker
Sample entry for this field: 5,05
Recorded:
3,13
